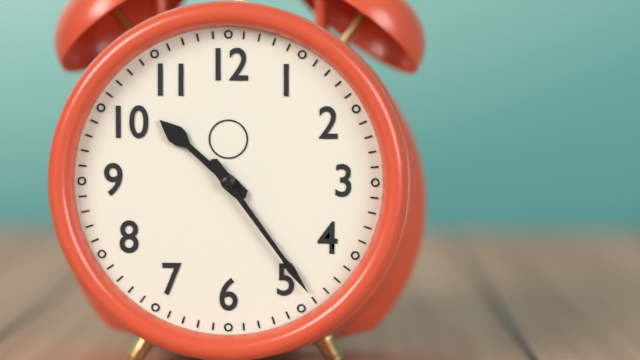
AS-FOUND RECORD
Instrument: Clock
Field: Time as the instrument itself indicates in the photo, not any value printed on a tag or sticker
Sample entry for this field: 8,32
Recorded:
10,24
